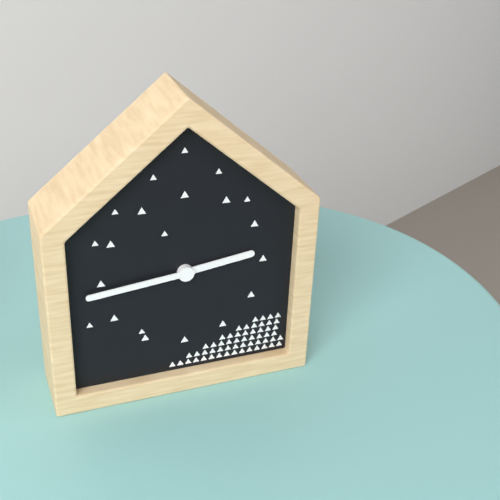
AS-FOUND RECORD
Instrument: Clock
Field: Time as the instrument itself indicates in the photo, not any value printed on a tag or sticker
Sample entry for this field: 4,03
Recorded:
2,44
